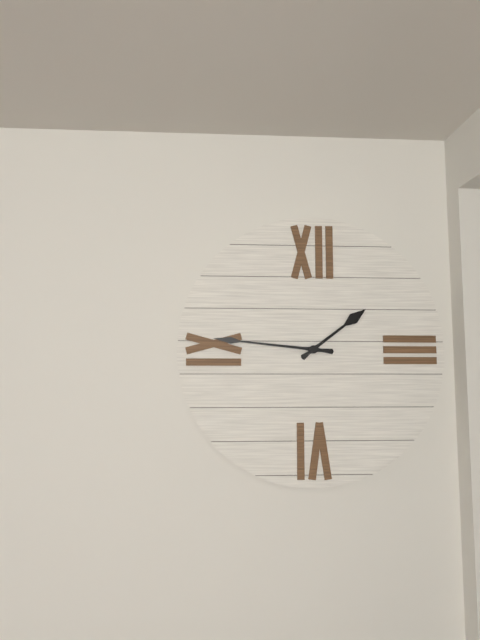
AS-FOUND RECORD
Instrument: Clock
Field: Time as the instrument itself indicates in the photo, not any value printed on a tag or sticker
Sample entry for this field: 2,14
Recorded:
1,46
